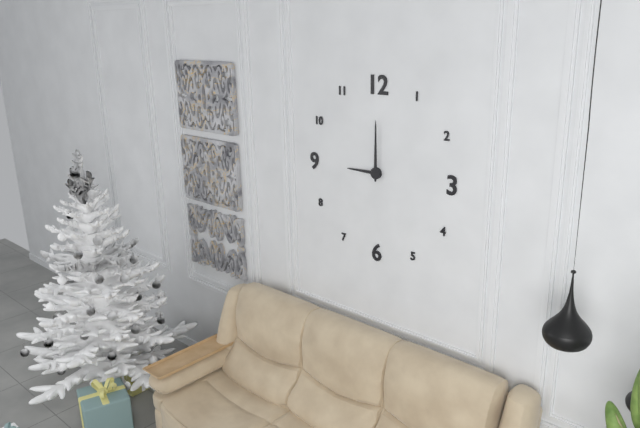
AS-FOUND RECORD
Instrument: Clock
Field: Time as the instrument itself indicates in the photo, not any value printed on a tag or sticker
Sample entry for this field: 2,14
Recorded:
9,00
